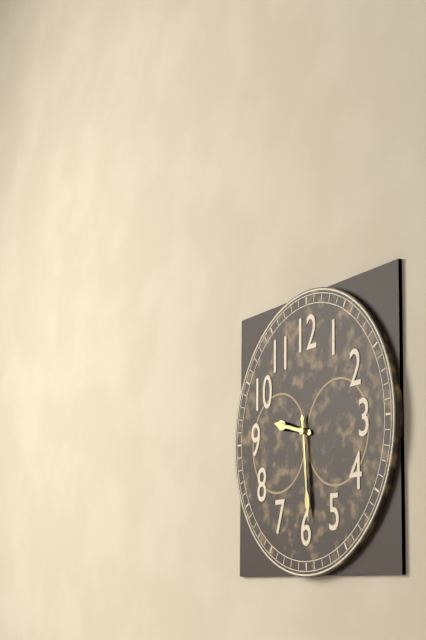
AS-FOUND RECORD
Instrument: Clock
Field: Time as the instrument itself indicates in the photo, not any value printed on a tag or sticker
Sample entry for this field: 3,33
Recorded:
9,29
